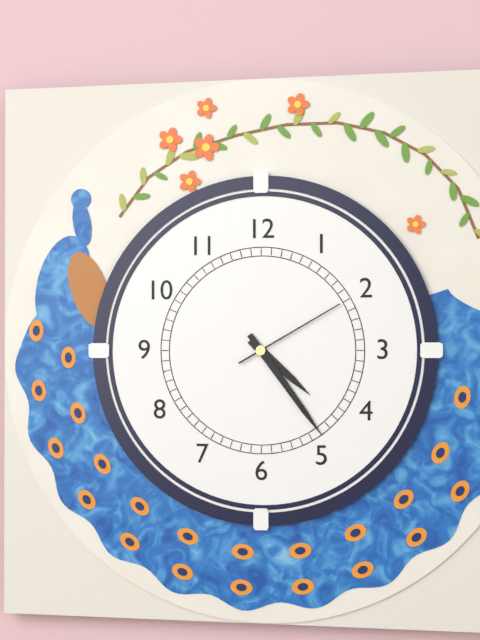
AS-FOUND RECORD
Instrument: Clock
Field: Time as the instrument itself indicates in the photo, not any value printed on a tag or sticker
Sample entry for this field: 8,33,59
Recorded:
4,24,10
